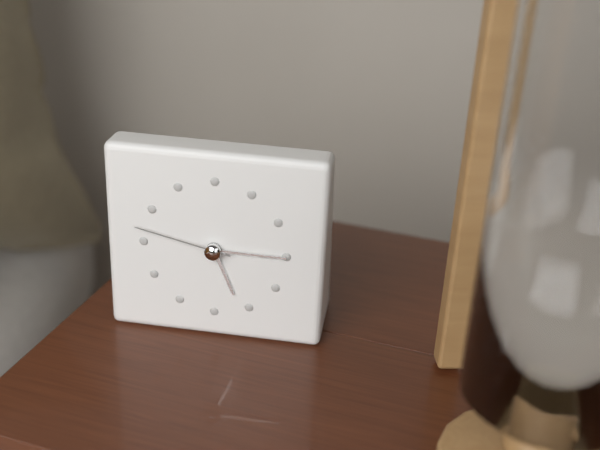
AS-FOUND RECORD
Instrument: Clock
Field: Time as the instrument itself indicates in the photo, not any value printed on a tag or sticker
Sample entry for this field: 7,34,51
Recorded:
5,15,47
